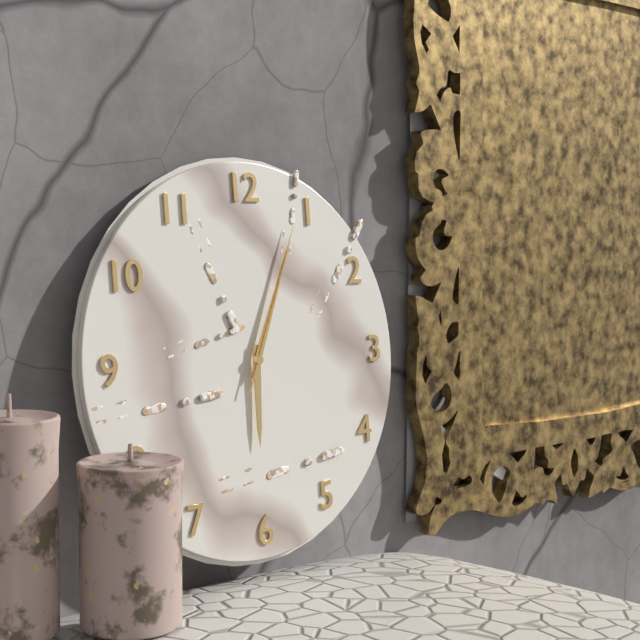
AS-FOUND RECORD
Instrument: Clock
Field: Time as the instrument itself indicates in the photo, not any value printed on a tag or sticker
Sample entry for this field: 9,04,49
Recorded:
6,04,04
